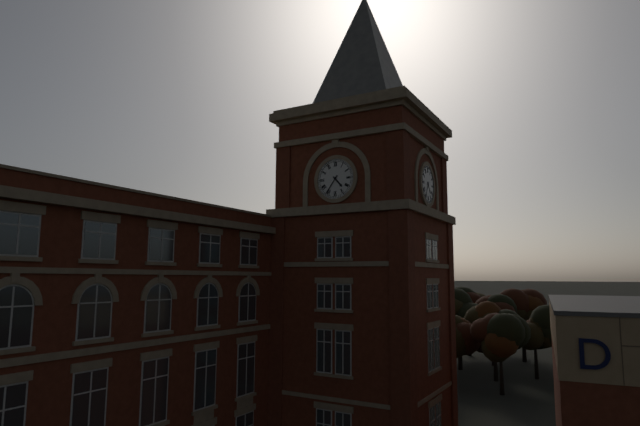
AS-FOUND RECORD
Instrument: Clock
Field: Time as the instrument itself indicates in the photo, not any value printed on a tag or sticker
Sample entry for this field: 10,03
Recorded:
4,36
